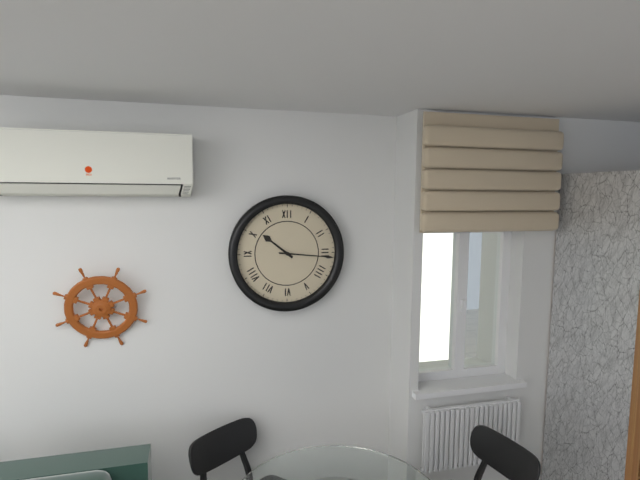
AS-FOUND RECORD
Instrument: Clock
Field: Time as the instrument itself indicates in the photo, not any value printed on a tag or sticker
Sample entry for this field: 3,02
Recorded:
10,16
